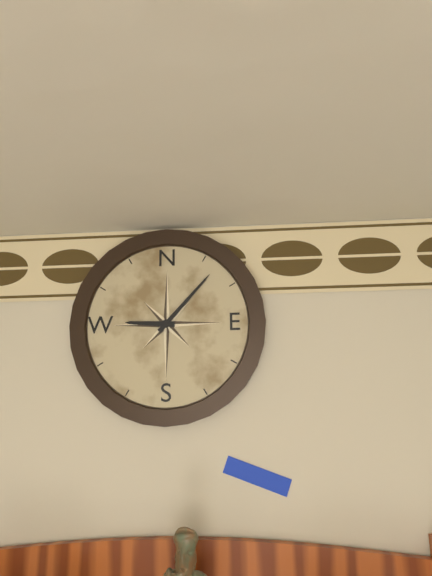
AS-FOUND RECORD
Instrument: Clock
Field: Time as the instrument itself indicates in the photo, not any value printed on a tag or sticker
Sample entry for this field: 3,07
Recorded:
9,07
